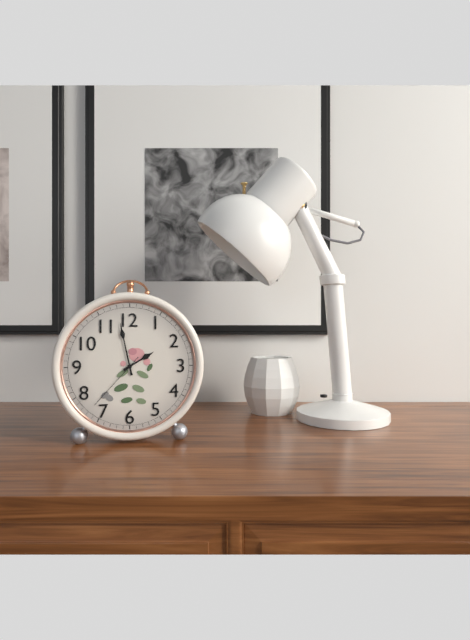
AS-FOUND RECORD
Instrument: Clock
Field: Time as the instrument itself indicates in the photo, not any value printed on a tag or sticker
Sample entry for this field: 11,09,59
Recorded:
1,58,37
